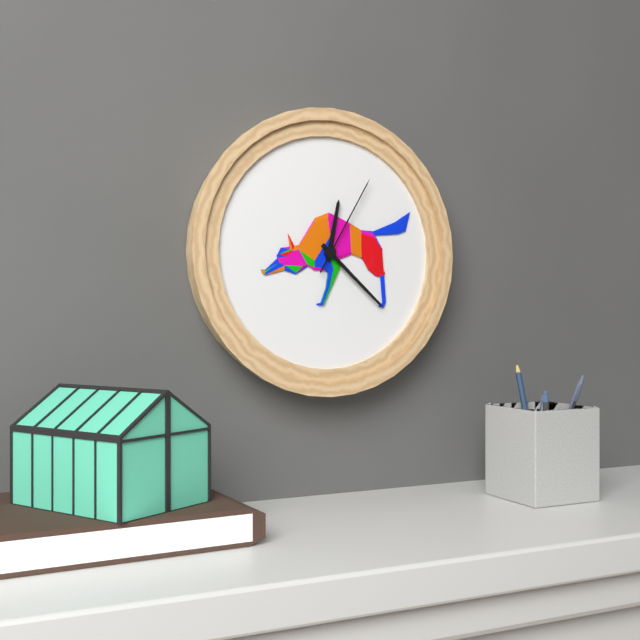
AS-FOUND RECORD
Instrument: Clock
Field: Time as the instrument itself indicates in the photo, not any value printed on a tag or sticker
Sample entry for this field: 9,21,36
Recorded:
12,22,05
